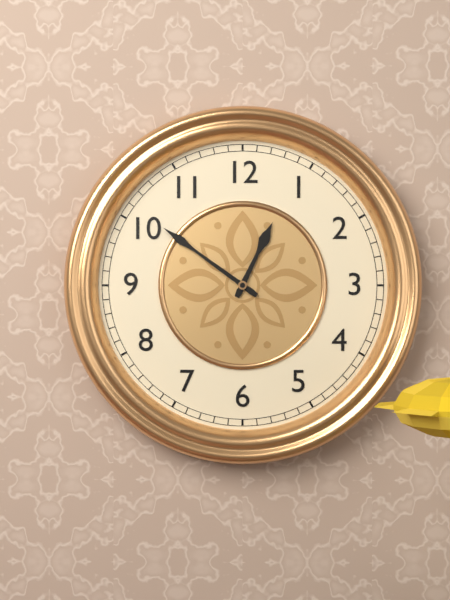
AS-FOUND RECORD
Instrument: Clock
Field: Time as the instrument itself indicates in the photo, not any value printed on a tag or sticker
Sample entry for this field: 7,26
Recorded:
12,51
